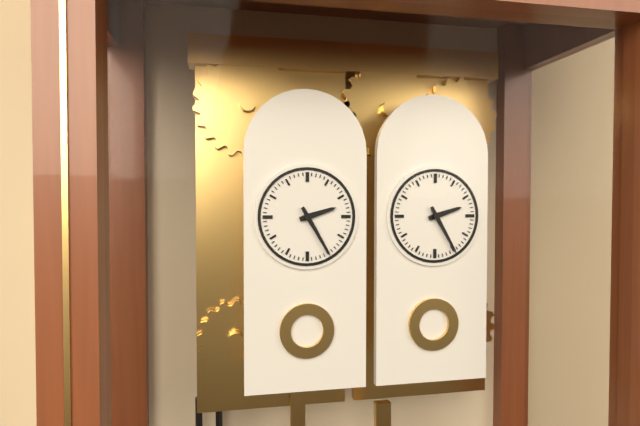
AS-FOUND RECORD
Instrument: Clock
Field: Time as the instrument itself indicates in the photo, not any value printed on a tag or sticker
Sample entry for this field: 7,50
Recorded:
2,25
